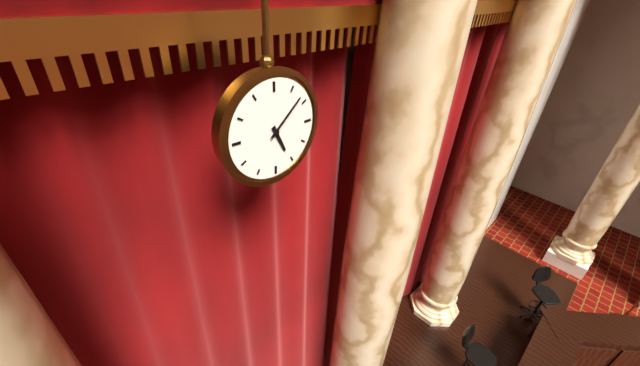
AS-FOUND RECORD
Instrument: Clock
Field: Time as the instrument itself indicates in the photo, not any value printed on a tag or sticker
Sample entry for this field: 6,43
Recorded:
5,08
